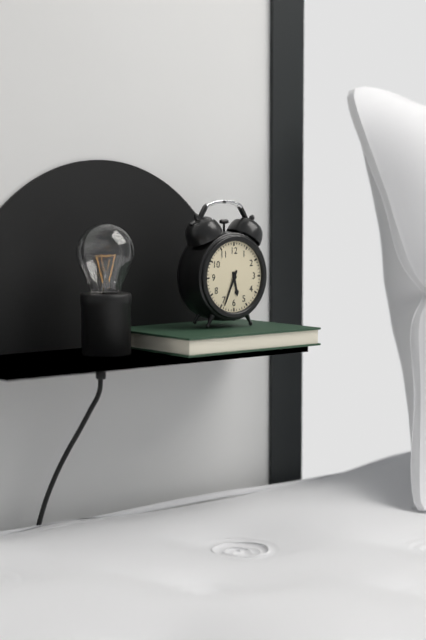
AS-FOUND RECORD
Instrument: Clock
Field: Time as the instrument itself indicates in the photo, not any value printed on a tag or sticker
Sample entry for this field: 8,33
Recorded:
5,34
